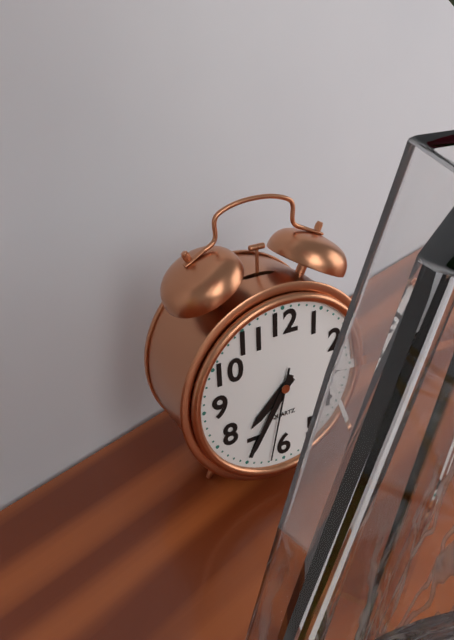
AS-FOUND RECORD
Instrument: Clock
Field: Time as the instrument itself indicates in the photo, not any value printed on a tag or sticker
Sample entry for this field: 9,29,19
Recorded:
7,35,32
